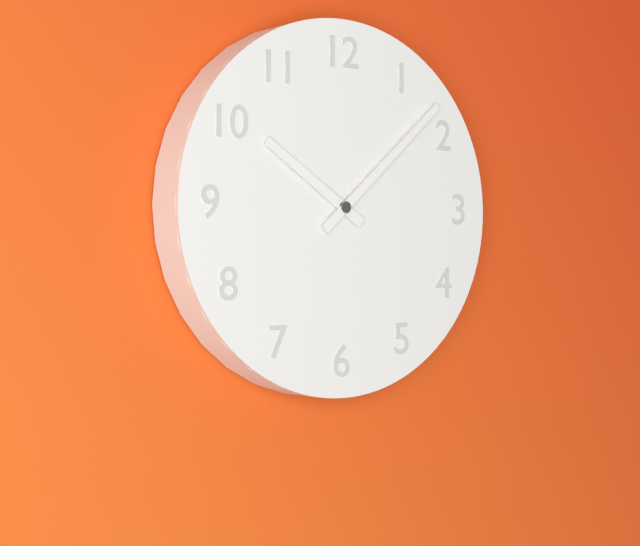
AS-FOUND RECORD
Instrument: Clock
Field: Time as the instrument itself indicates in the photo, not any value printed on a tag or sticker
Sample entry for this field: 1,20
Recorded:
10,08
